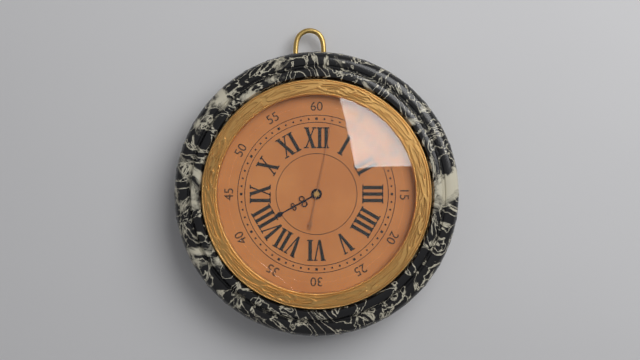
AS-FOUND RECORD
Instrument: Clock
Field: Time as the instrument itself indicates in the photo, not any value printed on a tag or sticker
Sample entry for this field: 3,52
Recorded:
8,02
